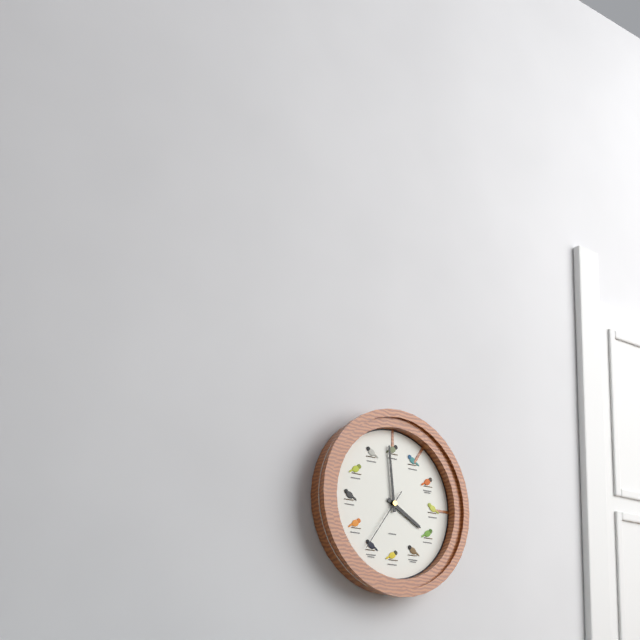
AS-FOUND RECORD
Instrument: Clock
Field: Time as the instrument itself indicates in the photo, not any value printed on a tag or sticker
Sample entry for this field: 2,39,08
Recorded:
3,59,36
